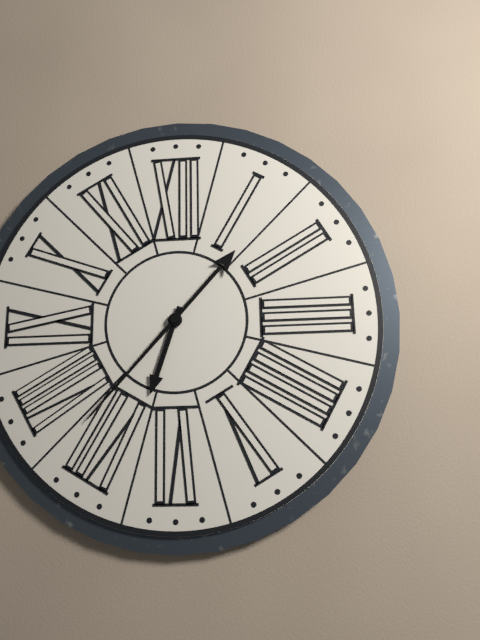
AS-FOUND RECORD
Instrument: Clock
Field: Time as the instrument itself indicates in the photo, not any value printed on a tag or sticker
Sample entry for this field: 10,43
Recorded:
6,37
